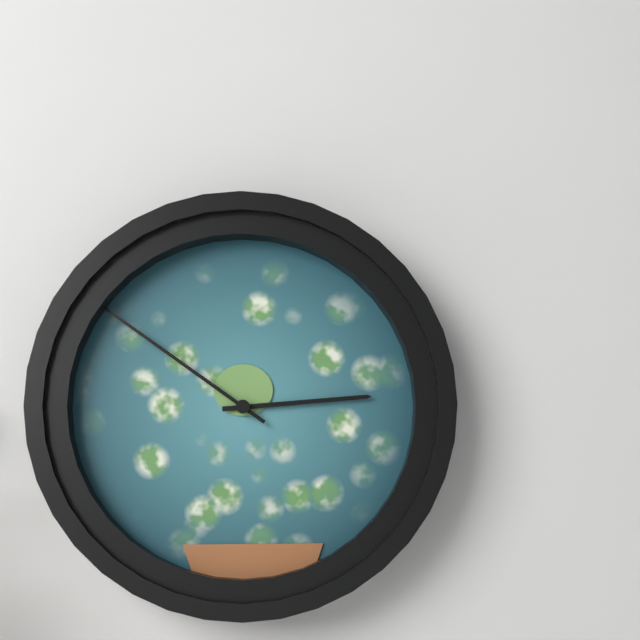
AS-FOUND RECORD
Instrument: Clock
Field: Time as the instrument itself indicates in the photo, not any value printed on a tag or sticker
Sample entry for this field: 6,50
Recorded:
2,51
